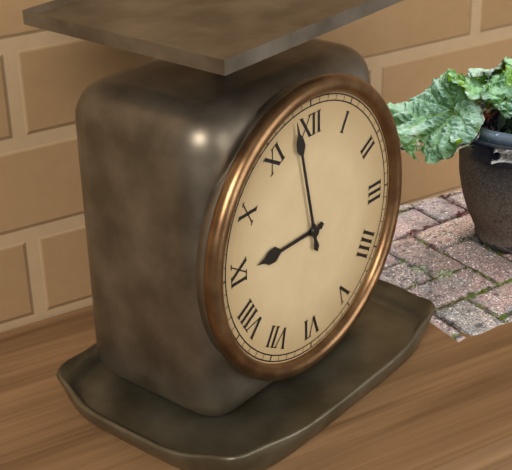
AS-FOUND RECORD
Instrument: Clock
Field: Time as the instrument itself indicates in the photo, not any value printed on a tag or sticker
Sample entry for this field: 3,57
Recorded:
8,58
